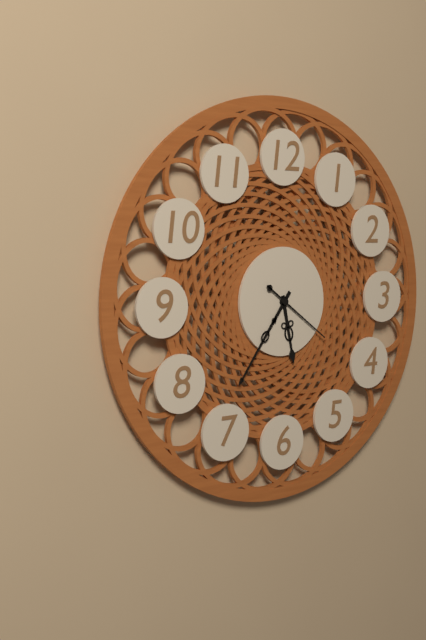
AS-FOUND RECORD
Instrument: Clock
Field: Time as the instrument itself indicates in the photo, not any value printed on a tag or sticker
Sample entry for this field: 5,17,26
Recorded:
5,36,21
